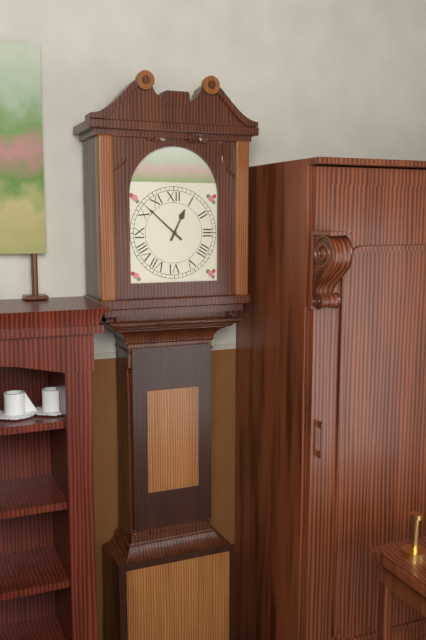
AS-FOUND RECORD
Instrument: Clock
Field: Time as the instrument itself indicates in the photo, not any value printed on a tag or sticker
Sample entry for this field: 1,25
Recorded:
12,52
